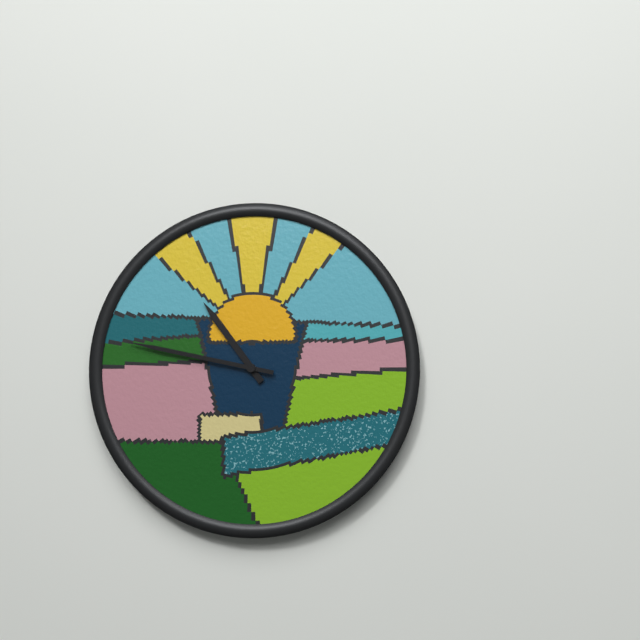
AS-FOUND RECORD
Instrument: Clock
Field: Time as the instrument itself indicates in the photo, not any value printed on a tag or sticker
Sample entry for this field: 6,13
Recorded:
10,47
